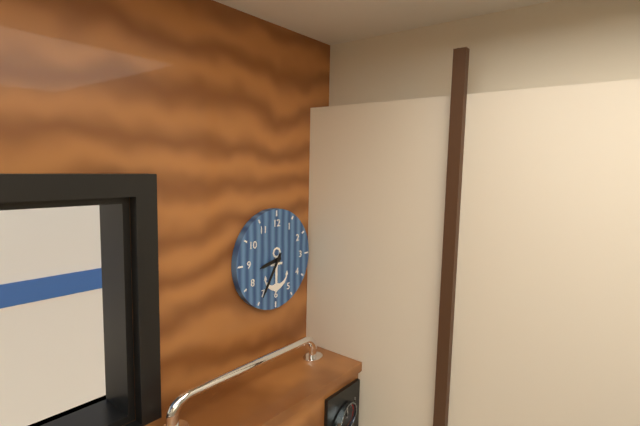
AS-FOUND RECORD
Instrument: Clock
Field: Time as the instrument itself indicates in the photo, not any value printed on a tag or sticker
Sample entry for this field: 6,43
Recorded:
8,35
